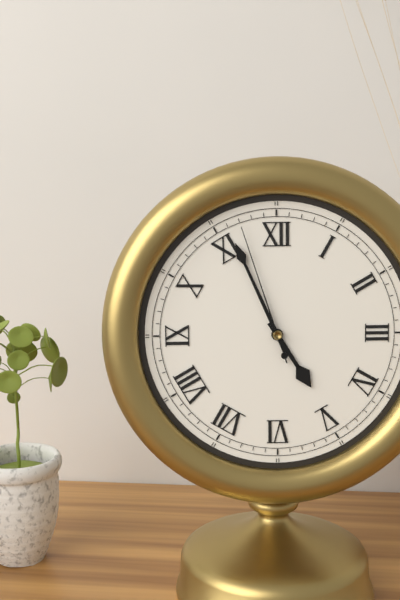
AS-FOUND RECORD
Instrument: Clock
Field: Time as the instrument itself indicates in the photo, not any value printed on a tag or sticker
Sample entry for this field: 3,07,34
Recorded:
4,56,57
